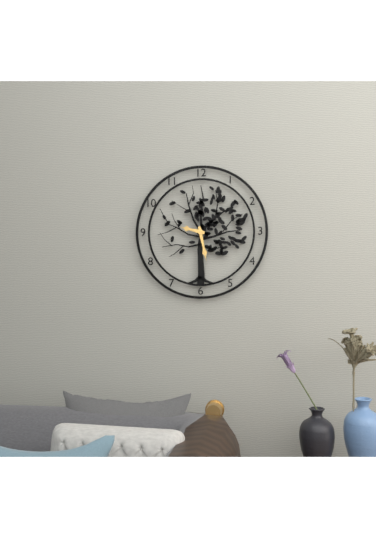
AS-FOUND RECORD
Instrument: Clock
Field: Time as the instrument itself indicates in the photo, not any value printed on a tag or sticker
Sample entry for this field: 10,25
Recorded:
9,28
